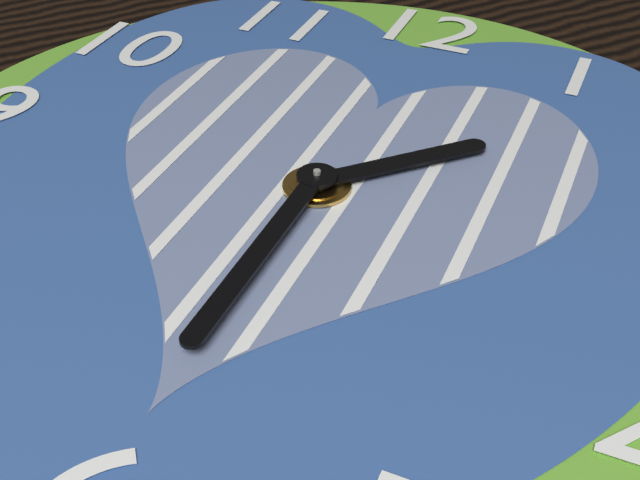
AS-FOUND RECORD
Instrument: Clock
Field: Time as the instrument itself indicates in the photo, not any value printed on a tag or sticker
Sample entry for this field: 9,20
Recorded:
1,30
